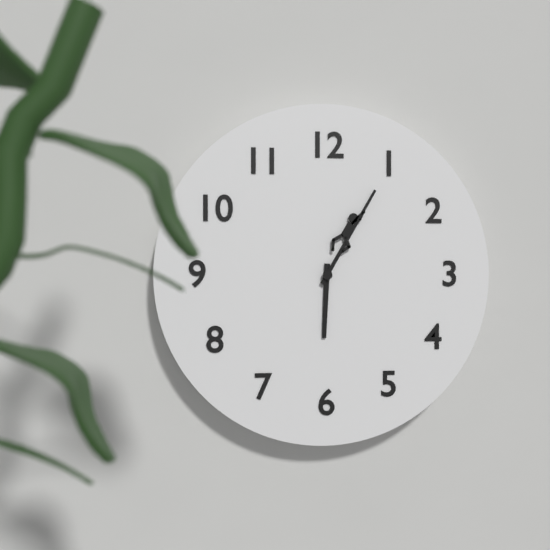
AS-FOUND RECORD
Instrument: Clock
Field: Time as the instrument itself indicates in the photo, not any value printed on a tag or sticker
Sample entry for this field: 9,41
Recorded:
6,05
